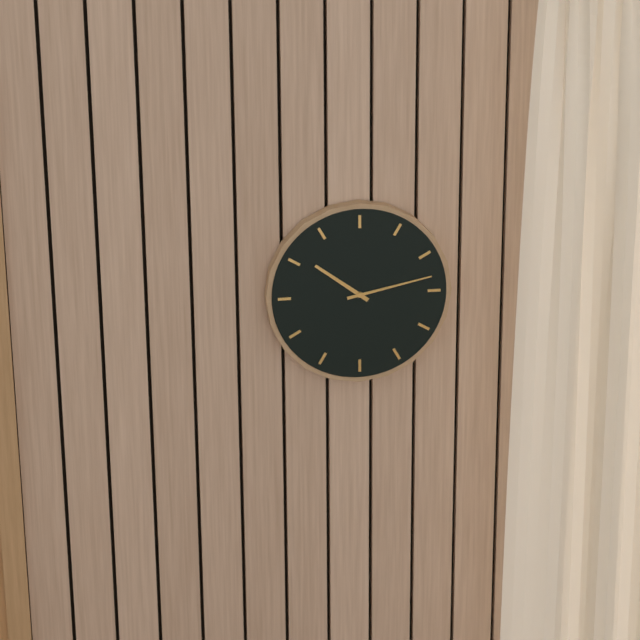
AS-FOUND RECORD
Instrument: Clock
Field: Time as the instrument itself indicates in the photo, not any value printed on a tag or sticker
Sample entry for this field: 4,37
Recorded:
10,13
